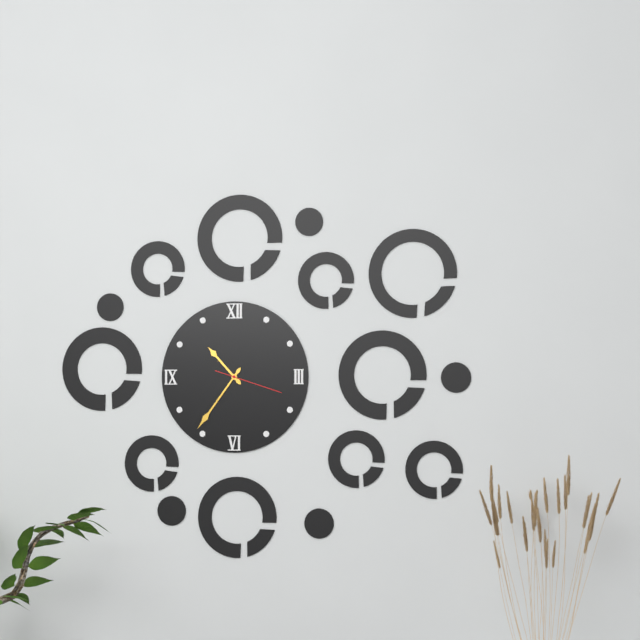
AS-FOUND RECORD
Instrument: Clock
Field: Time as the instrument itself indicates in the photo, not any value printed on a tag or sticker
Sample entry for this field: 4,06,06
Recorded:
10,36,18
